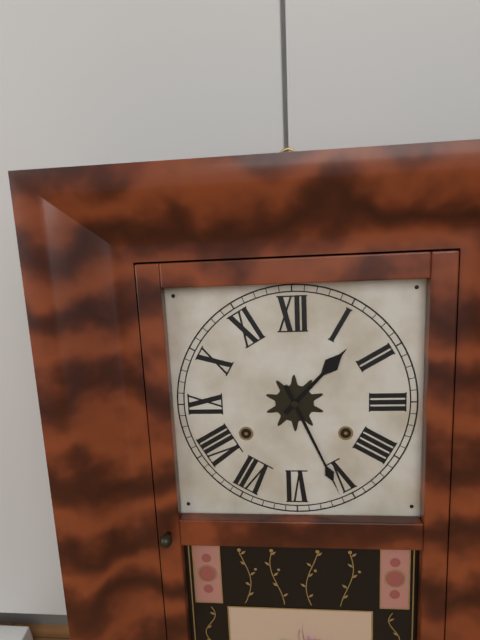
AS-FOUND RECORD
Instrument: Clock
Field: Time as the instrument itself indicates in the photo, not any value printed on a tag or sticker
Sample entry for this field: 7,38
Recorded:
1,26
